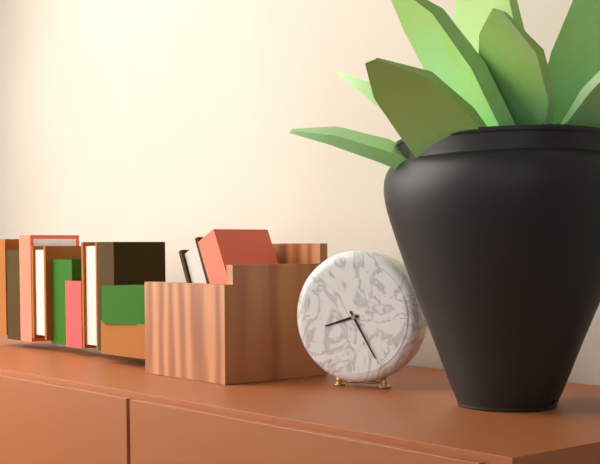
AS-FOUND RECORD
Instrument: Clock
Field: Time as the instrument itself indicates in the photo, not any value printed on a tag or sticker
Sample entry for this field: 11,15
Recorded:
8,25
